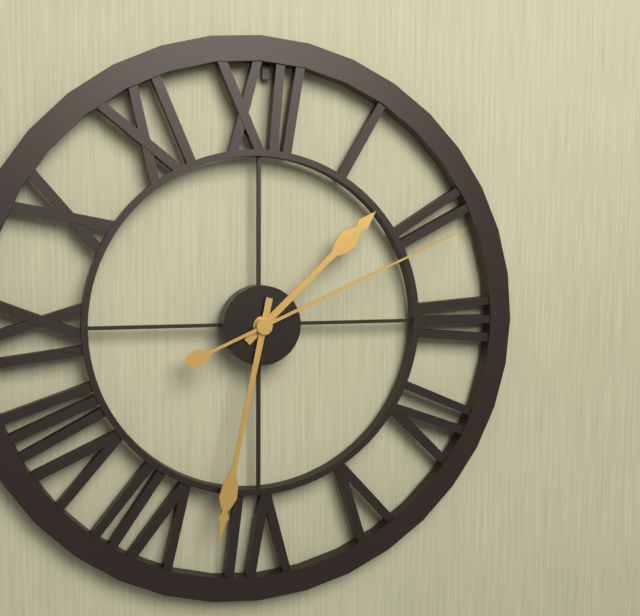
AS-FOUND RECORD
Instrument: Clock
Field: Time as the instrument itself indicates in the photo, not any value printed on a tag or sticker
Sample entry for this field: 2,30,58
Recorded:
1,32,11
